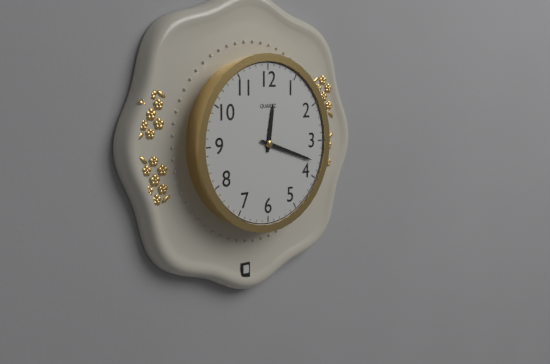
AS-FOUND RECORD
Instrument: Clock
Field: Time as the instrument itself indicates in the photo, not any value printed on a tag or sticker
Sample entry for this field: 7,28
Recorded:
12,18
